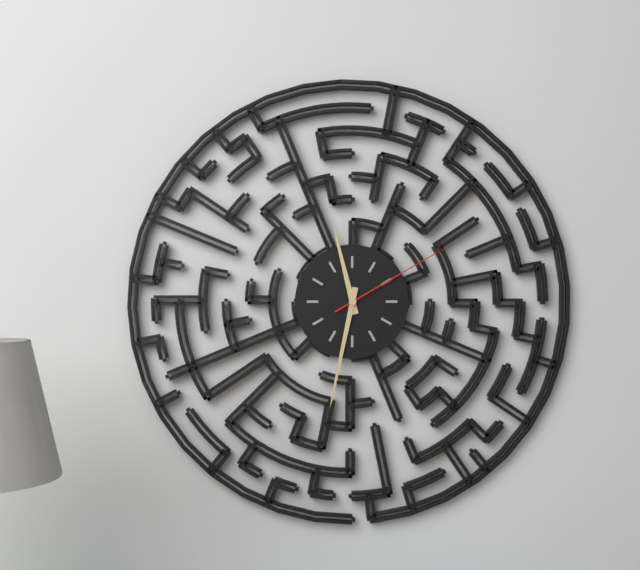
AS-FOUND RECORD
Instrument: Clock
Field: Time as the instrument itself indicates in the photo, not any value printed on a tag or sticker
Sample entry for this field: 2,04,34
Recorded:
11,32,10
